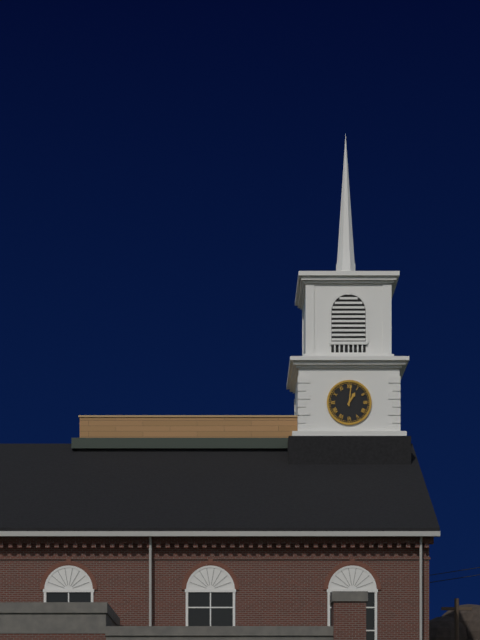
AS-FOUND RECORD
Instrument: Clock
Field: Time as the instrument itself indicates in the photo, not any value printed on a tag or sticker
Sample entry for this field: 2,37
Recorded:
1,01
